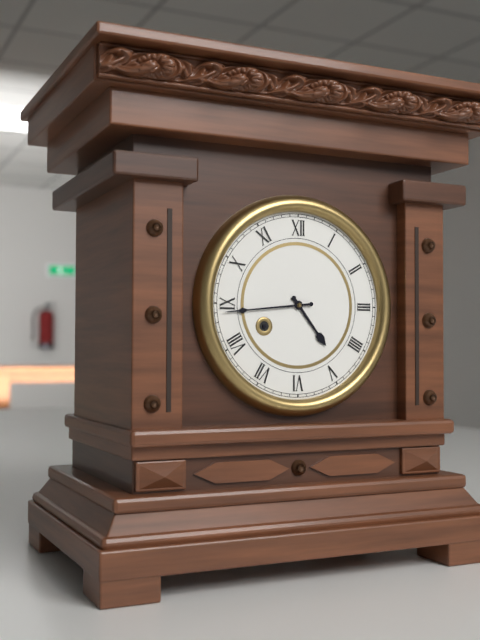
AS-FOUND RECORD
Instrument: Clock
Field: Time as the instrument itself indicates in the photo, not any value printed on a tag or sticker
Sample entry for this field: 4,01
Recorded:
4,44
